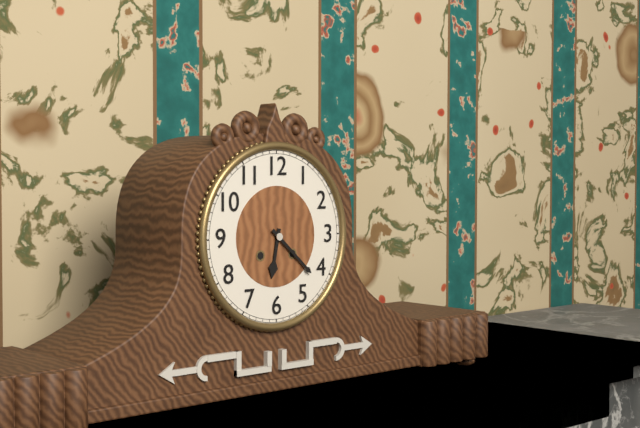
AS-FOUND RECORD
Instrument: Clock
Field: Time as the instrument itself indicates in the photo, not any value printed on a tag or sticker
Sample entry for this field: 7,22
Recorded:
6,22
